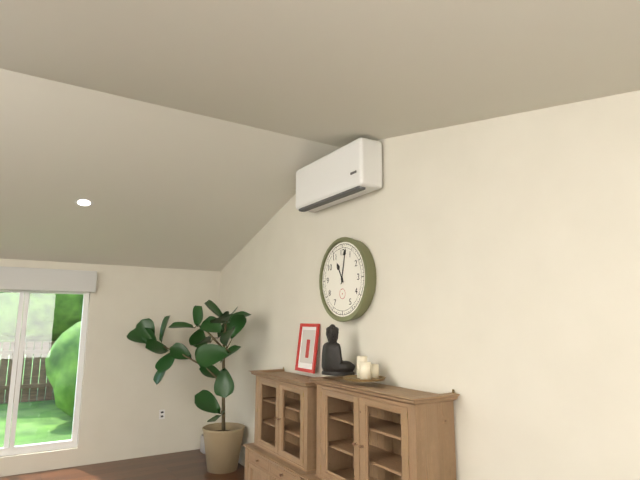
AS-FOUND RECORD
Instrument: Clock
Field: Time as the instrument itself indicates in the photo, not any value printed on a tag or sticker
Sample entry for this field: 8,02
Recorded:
11,02
